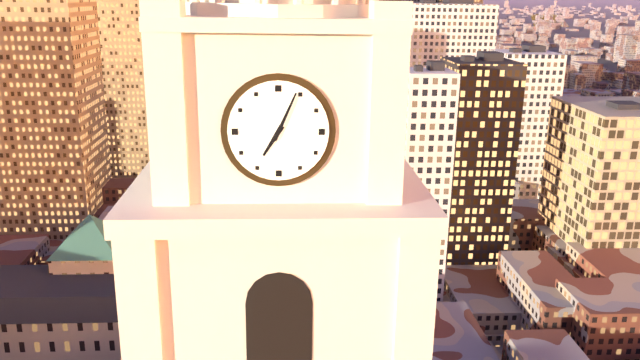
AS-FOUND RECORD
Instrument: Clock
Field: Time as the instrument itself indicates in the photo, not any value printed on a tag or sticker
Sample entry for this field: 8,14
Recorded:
7,04
